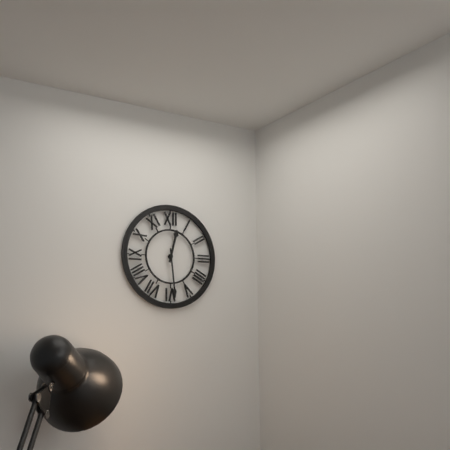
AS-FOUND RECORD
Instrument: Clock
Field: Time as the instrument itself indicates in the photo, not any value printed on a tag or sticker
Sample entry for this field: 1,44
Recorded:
12,29
